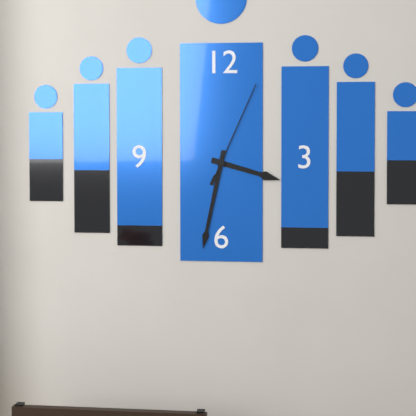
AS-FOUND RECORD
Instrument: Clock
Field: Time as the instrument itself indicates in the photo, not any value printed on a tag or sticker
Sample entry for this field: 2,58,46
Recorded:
3,32,04
